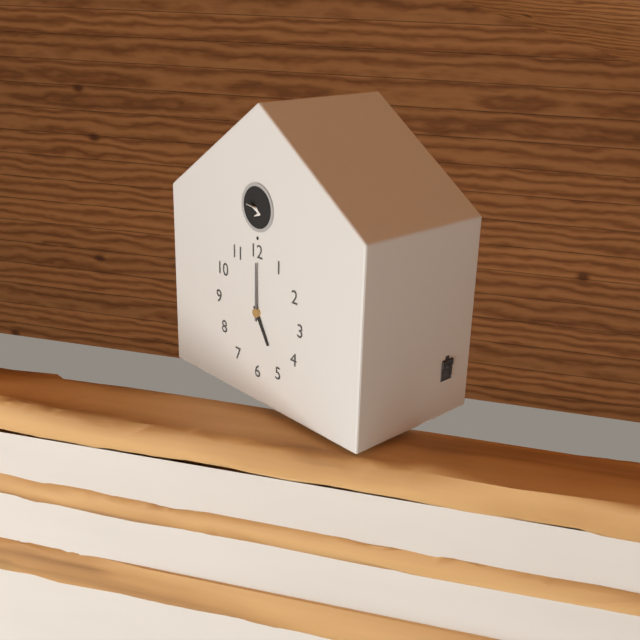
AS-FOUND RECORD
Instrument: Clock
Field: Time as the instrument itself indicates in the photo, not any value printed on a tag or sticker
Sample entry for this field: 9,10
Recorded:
5,00
